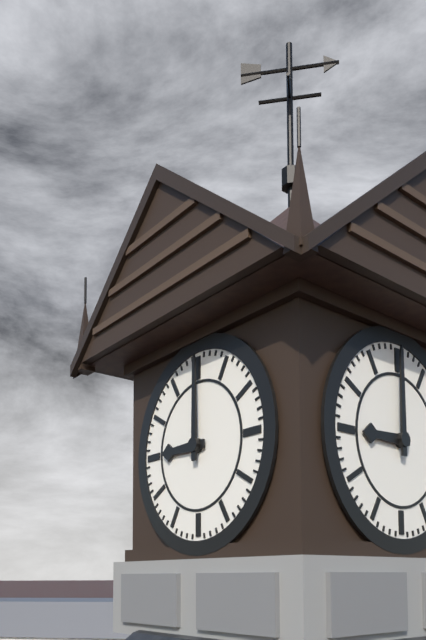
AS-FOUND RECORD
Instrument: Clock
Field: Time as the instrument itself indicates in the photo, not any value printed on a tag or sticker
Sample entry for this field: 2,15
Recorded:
9,00
